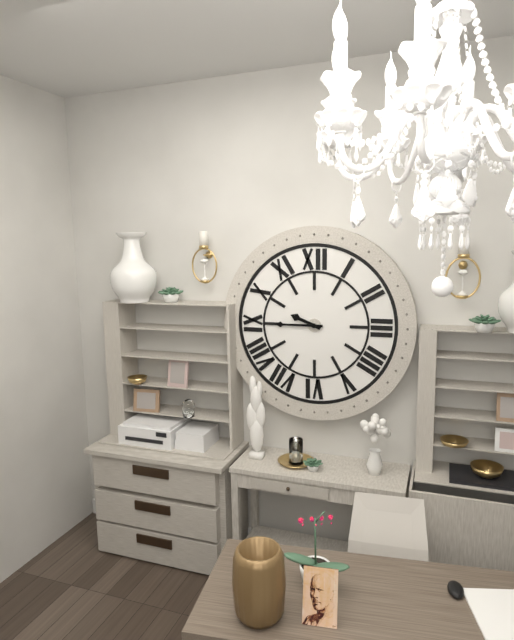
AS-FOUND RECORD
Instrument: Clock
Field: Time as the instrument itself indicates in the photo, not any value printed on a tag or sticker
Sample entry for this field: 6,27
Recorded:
9,45
